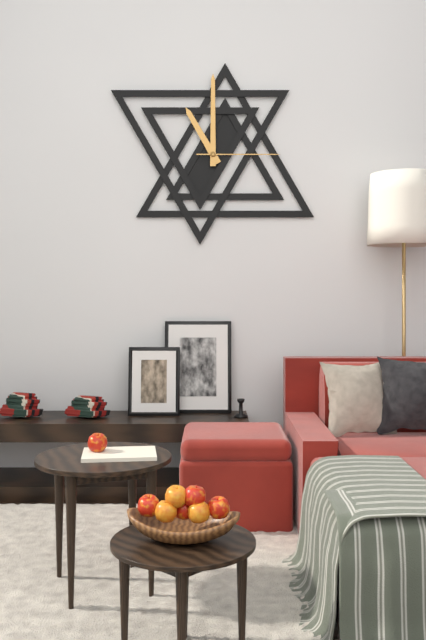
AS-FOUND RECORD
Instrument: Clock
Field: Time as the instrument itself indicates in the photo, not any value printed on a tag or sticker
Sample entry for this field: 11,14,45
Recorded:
11,00,15
